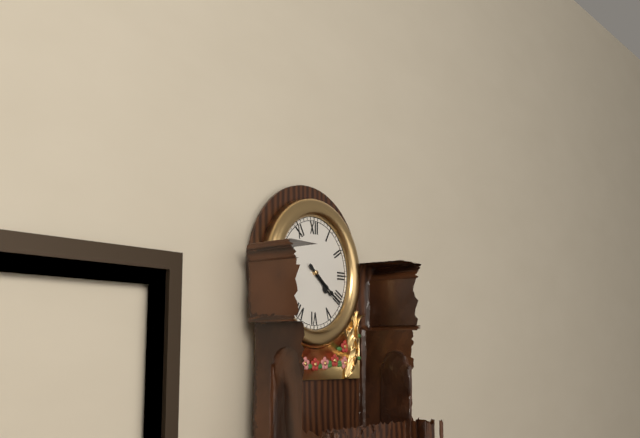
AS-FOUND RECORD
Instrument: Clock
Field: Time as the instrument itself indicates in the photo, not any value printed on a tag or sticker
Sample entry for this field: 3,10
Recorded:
4,21
